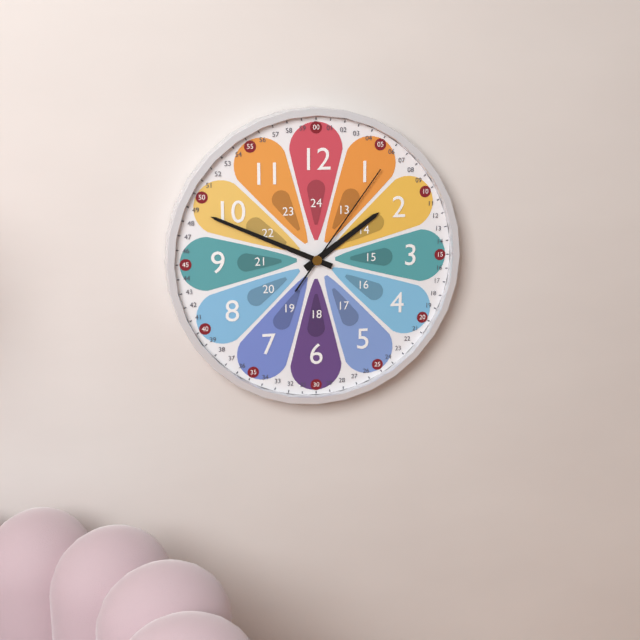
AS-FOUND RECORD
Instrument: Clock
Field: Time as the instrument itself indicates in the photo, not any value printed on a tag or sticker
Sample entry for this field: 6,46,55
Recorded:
1,49,06
